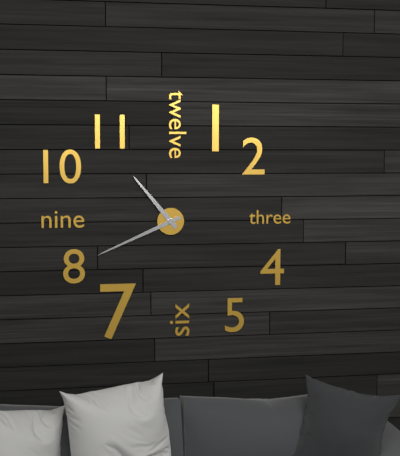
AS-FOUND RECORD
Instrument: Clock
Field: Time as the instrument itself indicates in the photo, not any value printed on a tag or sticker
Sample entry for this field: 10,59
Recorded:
10,41
